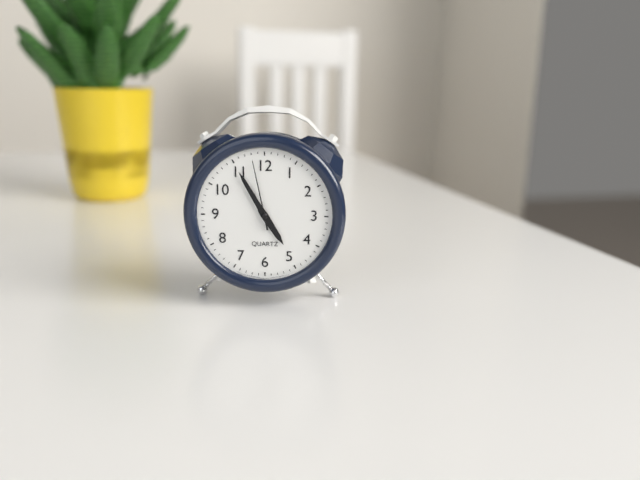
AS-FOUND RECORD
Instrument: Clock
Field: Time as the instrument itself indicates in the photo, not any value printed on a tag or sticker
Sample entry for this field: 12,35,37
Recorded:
4,55,58
